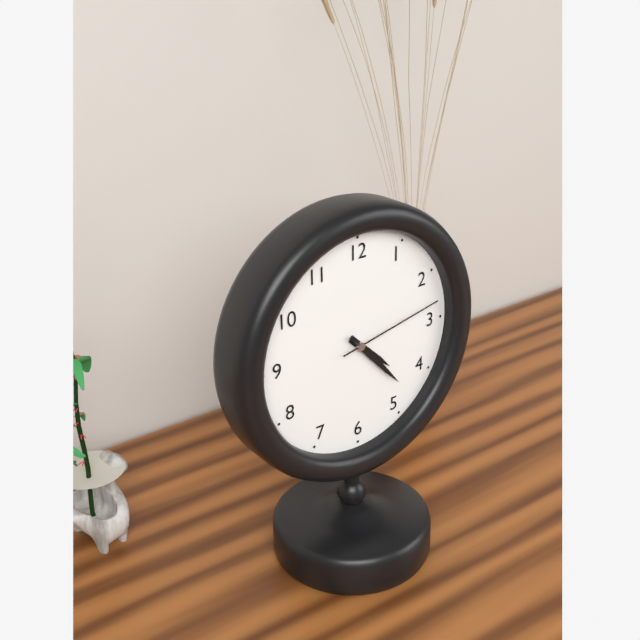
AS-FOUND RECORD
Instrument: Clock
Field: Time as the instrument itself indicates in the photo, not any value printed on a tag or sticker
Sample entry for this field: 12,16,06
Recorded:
4,23,13
